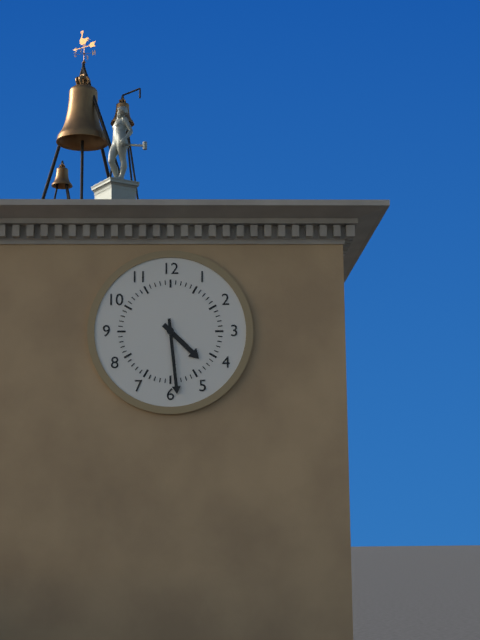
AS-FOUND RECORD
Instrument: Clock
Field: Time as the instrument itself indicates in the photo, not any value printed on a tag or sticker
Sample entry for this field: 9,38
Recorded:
4,29
